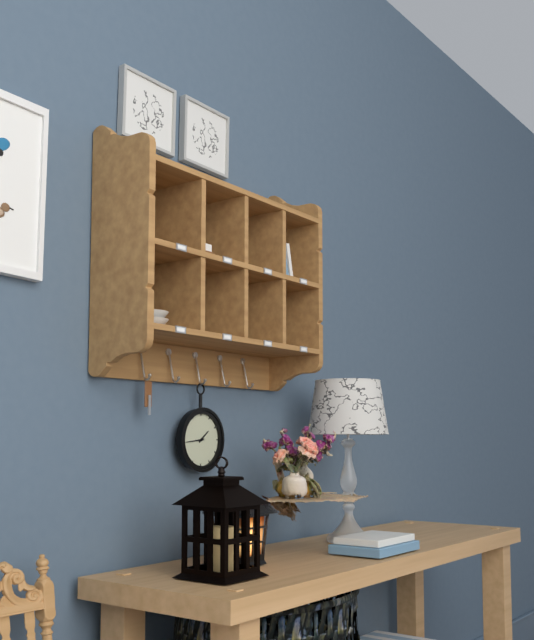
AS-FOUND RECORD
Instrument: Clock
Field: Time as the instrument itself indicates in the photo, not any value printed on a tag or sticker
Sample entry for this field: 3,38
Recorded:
1,44
